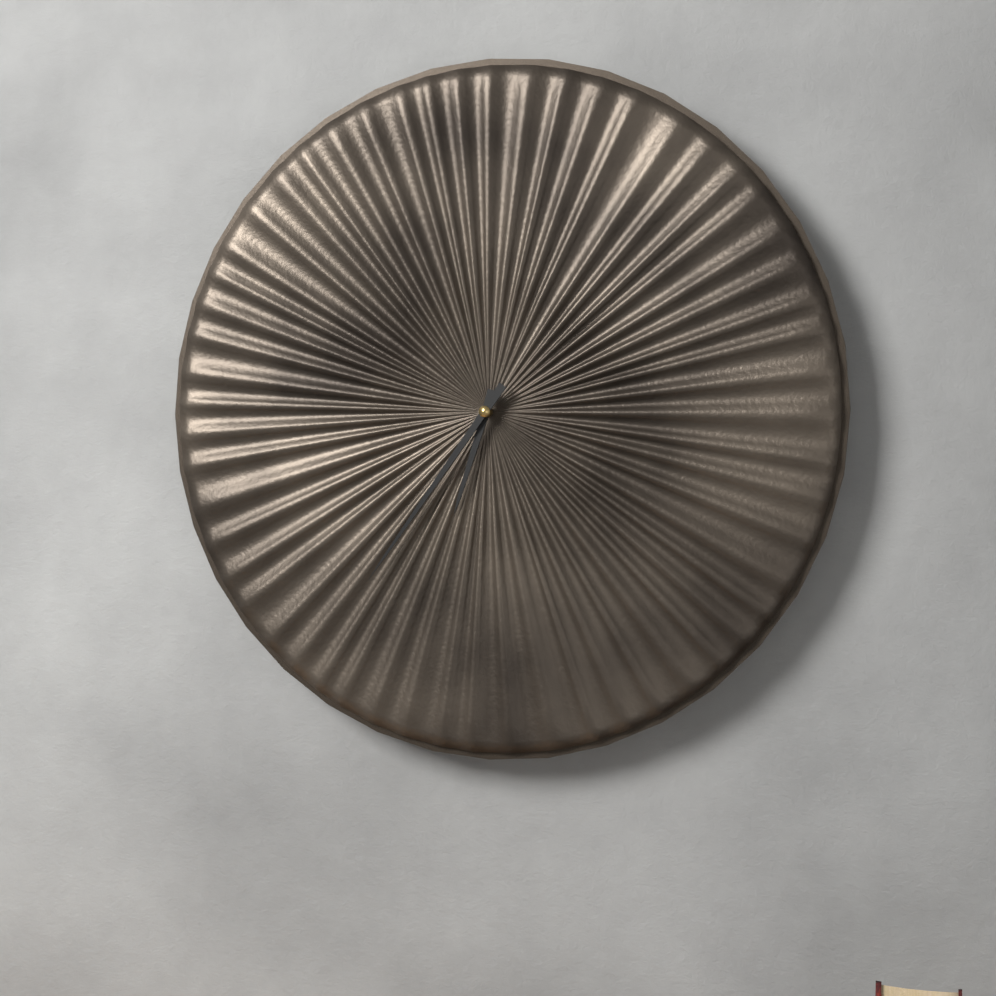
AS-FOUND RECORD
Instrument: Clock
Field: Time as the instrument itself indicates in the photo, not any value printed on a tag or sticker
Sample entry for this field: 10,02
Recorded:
6,36
